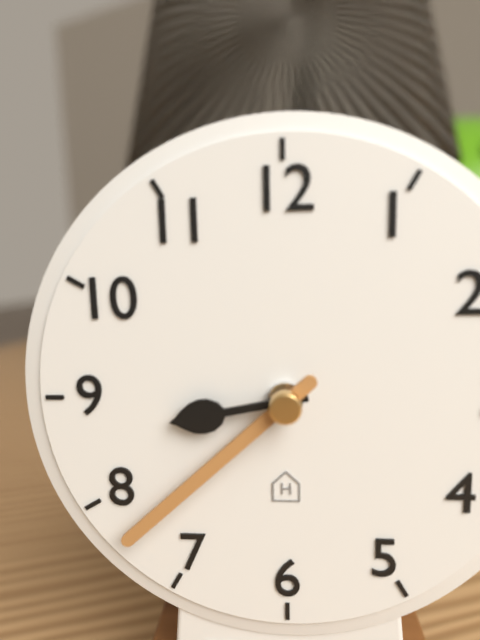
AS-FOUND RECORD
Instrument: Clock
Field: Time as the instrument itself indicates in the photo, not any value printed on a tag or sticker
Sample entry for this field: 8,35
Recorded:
8,38
